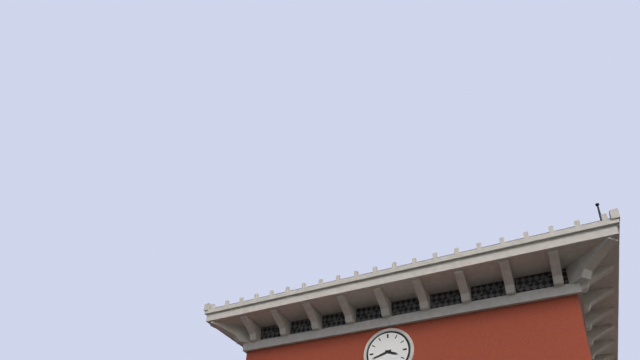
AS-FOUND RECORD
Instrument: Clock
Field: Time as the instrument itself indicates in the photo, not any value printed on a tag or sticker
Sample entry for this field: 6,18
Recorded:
3,42
